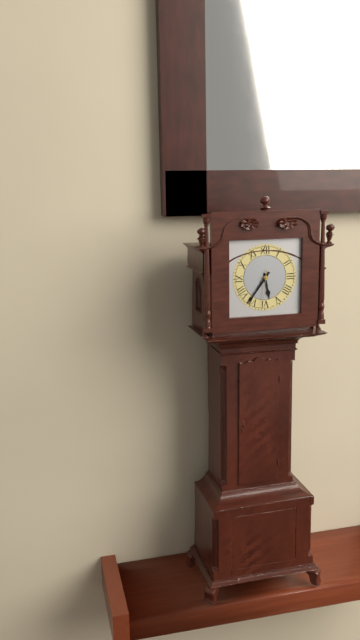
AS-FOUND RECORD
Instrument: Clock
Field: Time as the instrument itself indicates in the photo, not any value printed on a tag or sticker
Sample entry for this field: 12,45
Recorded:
5,36
